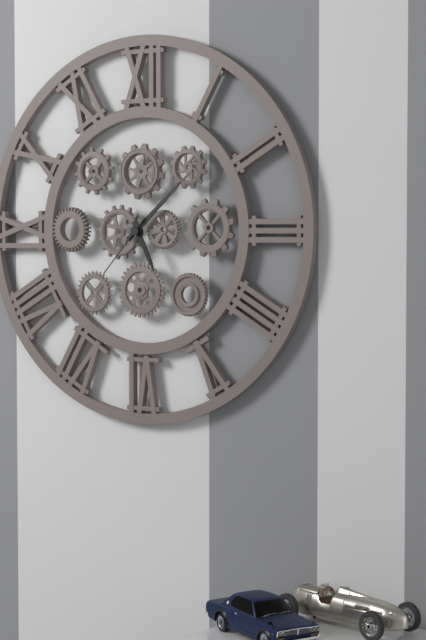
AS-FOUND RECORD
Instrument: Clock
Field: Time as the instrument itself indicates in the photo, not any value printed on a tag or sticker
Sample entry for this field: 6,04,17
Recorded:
5,08,37
